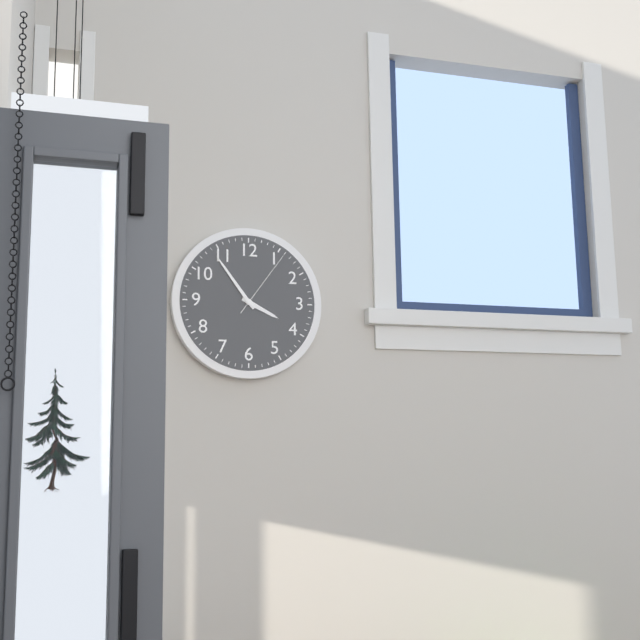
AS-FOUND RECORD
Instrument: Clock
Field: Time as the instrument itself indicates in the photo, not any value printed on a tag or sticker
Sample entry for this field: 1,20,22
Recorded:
3,54,06
